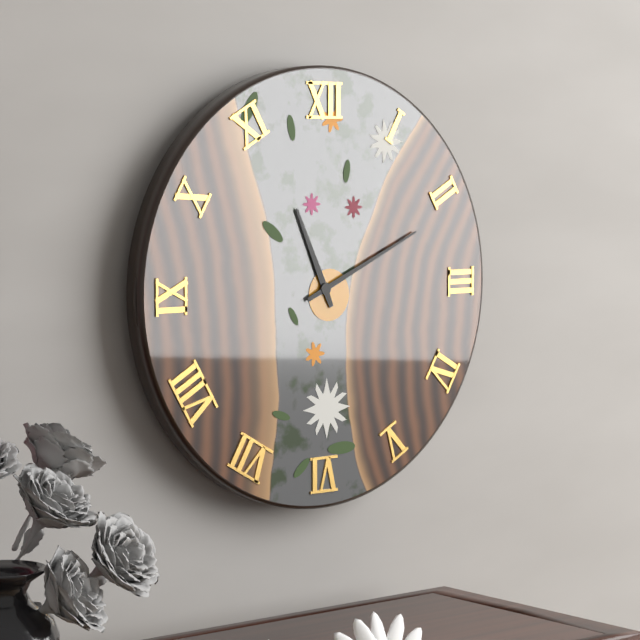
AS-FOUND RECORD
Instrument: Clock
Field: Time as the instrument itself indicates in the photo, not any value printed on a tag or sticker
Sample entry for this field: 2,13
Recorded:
11,11
